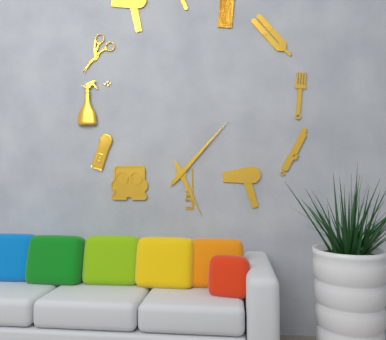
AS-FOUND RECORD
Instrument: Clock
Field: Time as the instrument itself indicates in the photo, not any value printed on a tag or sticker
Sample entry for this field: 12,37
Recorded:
5,07
